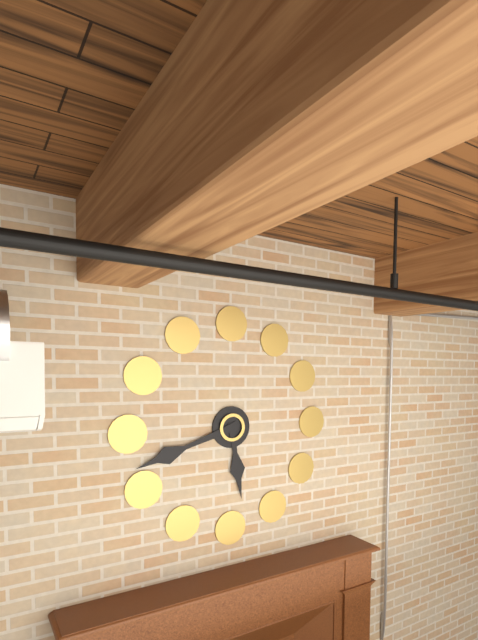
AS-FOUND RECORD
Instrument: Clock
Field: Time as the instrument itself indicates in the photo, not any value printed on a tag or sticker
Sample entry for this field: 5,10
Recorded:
5,42
